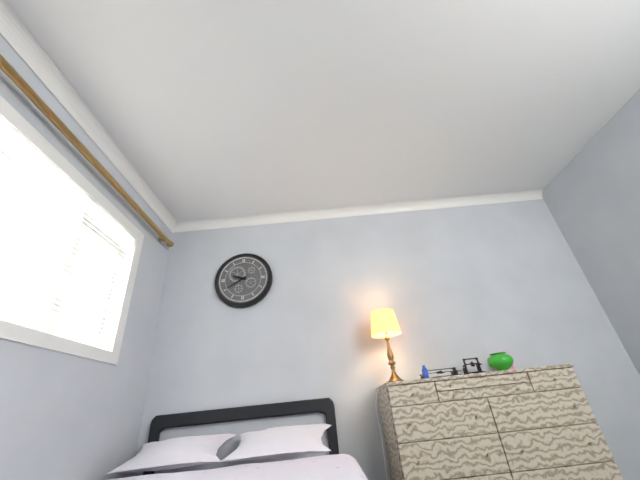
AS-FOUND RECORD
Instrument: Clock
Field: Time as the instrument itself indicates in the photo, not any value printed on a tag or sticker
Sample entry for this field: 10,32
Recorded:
9,40
